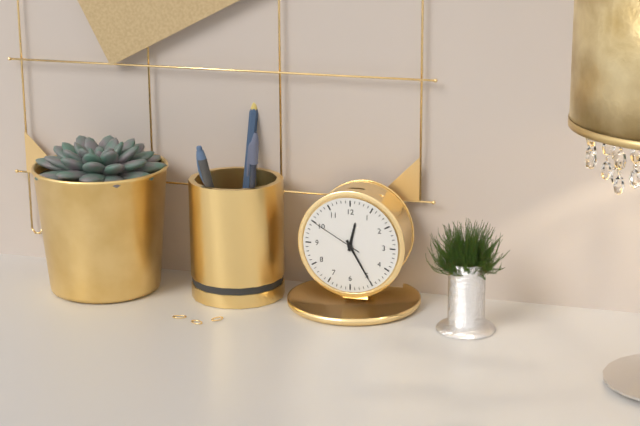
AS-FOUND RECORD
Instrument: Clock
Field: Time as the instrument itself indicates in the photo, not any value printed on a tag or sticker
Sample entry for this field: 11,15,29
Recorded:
12,25,50
